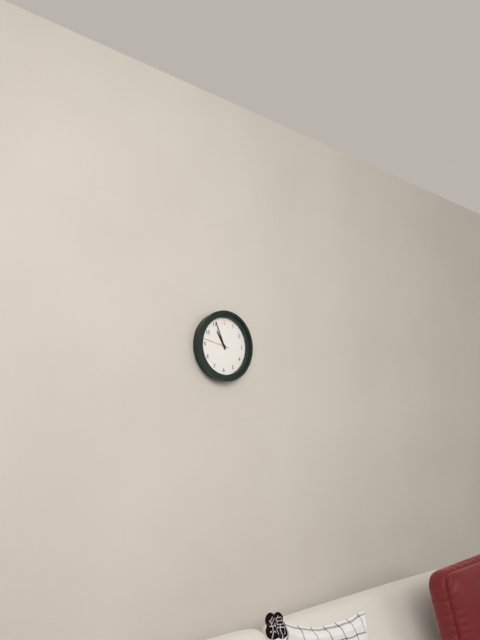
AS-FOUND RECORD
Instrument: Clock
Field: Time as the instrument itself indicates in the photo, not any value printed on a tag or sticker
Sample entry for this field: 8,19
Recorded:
10,56
